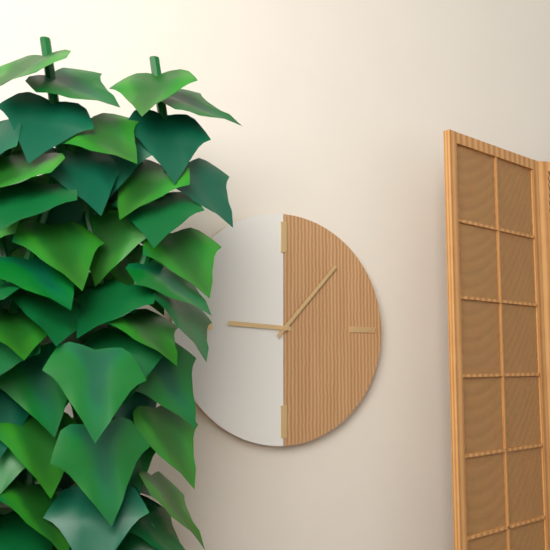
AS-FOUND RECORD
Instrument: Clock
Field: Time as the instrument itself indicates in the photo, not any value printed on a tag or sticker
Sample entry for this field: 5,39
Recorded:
9,07
